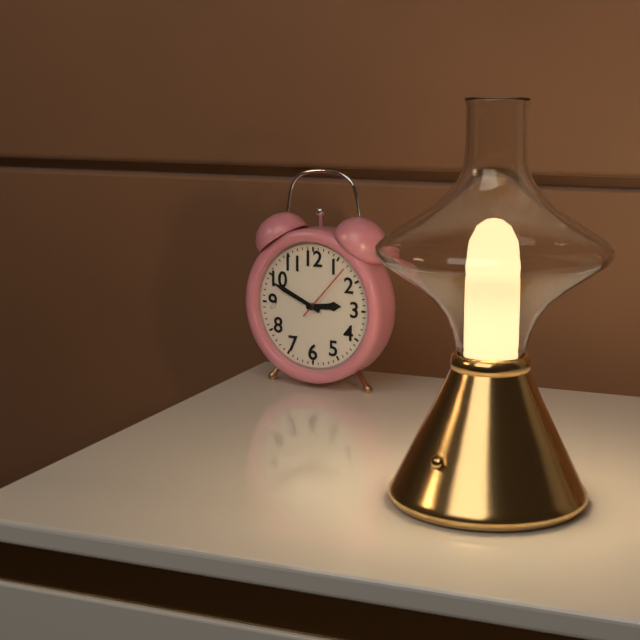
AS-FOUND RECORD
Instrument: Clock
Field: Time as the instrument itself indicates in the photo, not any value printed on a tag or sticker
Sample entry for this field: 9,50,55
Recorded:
2,49,07
